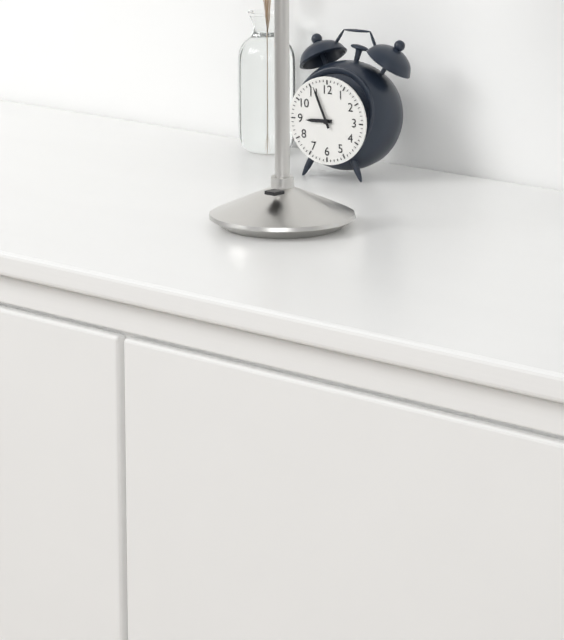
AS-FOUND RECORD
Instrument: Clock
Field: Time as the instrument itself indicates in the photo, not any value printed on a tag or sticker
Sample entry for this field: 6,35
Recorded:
8,56
